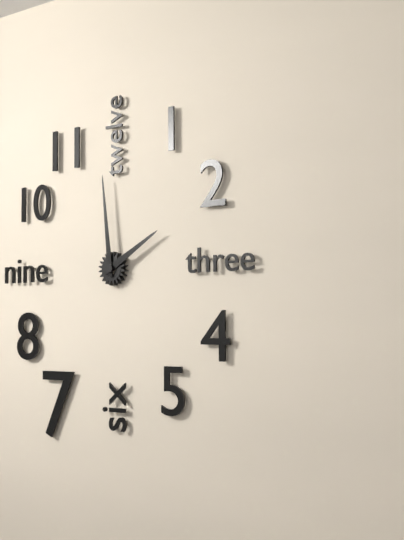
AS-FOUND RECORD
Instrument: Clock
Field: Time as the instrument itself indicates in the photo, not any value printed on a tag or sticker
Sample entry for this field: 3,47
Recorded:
1,59
